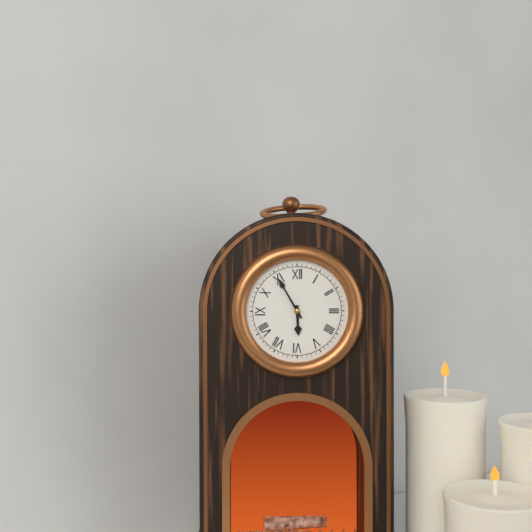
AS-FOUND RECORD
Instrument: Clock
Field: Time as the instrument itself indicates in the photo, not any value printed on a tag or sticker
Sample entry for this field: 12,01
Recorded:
5,55
